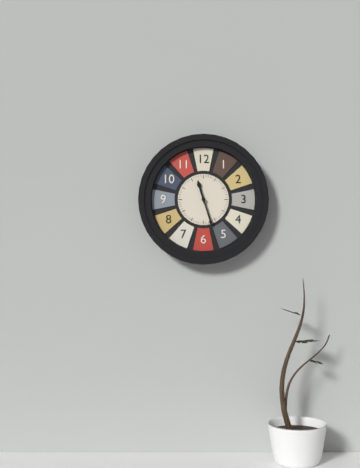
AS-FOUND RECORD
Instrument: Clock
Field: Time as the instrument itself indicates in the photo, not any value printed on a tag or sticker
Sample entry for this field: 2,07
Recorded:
11,27
